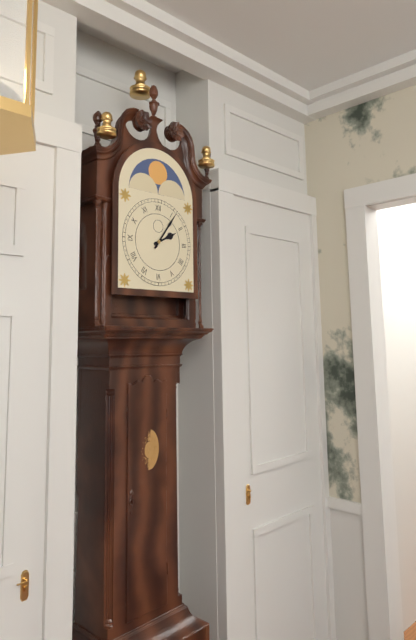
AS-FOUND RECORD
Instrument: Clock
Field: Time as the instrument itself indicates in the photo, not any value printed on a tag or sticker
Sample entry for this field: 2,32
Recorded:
2,06
